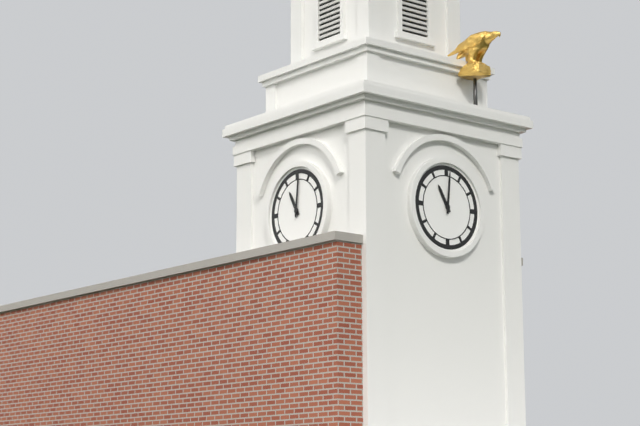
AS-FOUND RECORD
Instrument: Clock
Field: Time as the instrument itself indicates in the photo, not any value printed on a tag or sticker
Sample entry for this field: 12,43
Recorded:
11,01
